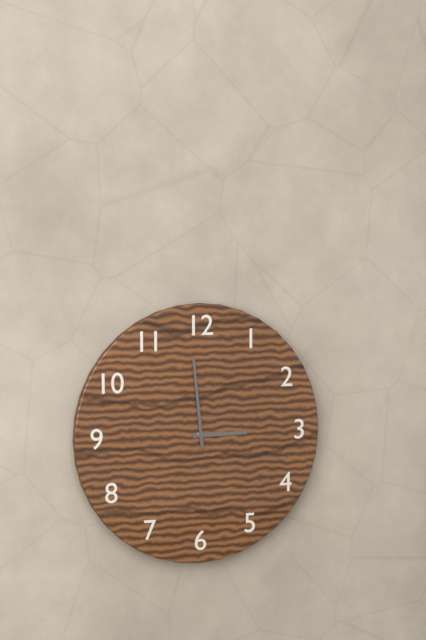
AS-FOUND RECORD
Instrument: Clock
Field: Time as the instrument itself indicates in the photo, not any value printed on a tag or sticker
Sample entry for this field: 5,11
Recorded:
2,59
